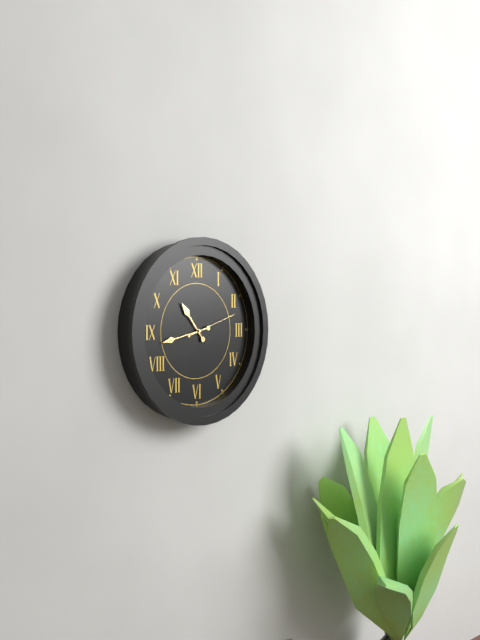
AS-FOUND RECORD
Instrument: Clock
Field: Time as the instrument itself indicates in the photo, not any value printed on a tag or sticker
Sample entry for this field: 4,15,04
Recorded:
10,43,12
